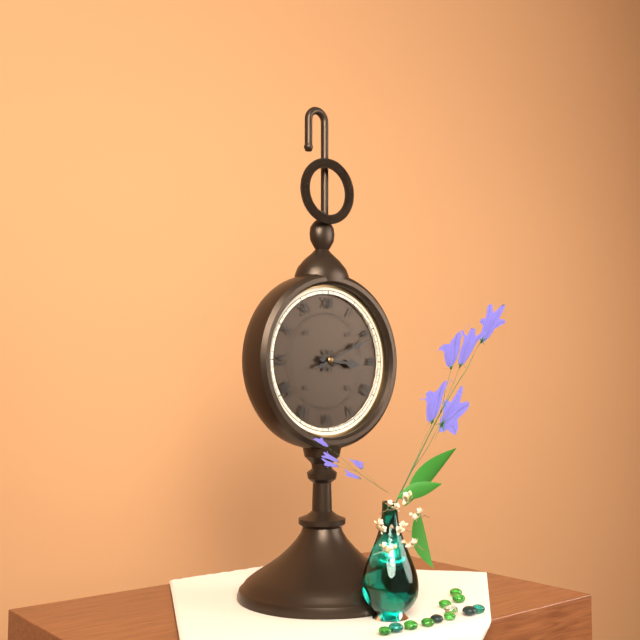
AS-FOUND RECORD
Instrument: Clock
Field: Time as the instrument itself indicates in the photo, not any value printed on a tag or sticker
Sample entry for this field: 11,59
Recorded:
3,11
